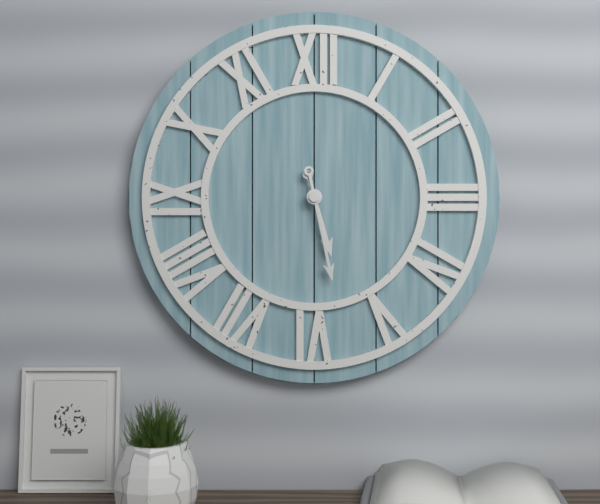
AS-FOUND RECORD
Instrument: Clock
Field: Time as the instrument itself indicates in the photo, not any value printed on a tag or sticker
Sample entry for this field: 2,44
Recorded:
5,28
